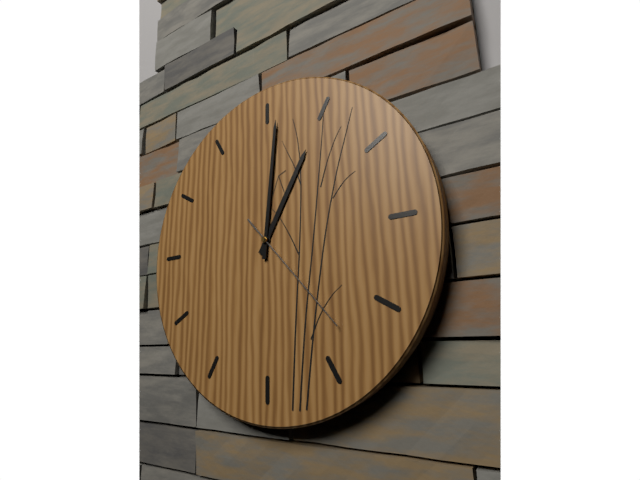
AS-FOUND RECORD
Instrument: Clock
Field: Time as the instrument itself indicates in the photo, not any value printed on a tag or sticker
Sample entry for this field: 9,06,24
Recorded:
1,01,23
